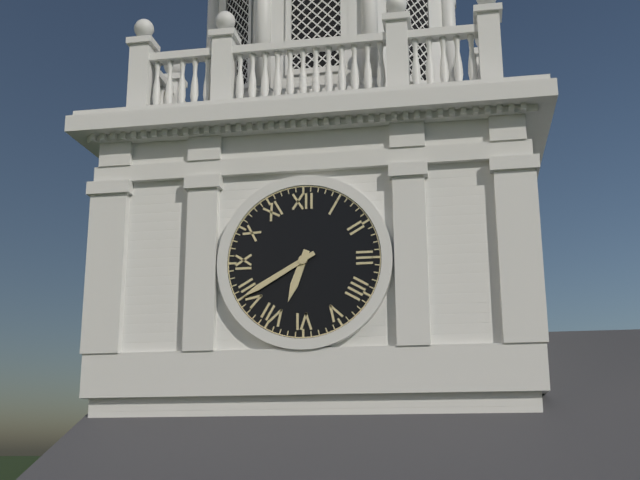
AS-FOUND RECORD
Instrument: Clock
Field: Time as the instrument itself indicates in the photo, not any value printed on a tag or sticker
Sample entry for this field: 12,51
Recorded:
6,40
